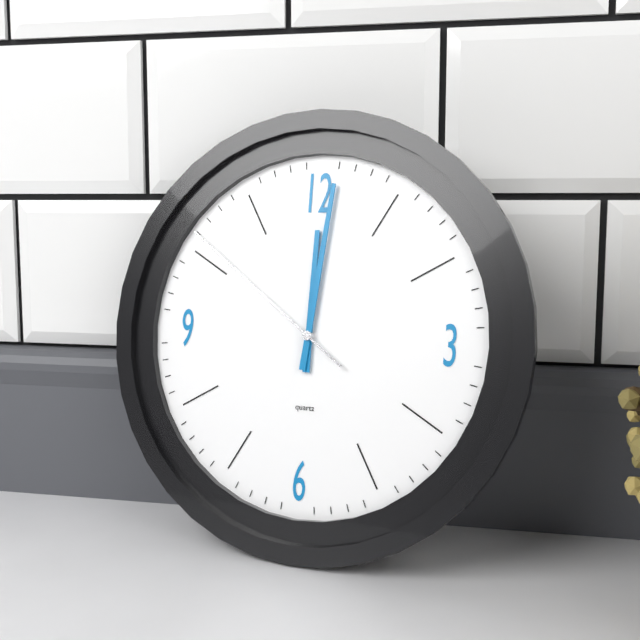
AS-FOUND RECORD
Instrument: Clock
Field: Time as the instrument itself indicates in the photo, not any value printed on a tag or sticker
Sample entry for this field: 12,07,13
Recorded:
12,01,51
